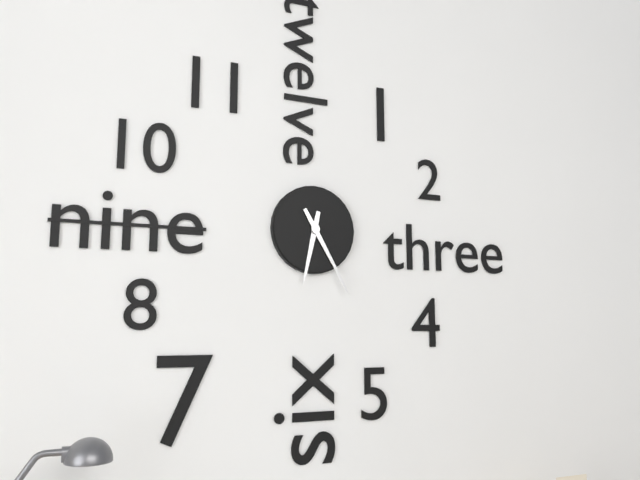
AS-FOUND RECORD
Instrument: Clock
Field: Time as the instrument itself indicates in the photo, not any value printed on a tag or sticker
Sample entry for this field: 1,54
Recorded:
6,25
